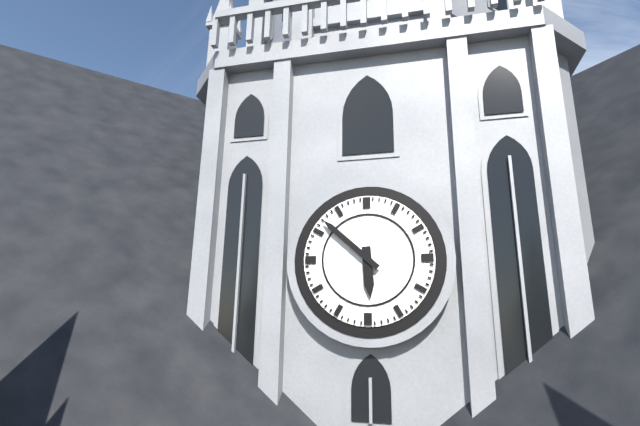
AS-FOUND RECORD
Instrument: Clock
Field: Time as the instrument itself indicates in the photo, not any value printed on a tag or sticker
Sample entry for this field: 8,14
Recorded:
5,52
